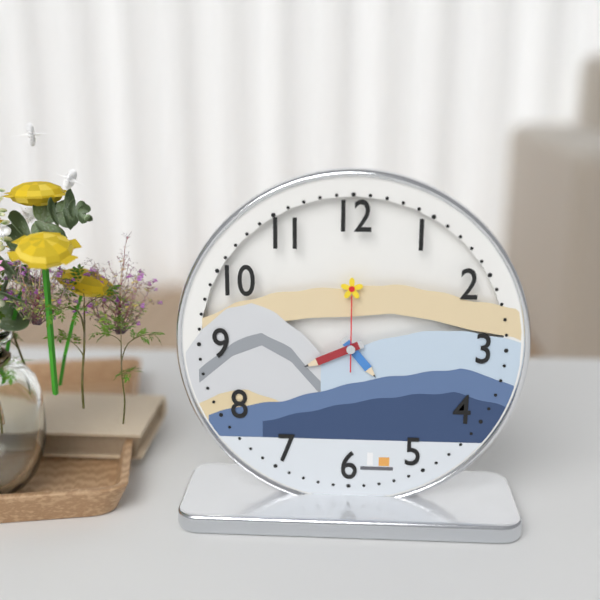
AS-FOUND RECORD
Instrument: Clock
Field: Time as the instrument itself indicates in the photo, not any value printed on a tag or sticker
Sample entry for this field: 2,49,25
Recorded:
4,41,00
